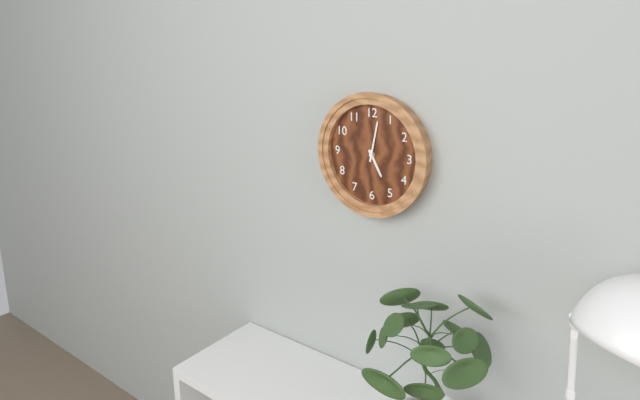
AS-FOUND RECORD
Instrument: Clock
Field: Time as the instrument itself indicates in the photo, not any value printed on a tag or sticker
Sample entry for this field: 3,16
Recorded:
5,02
